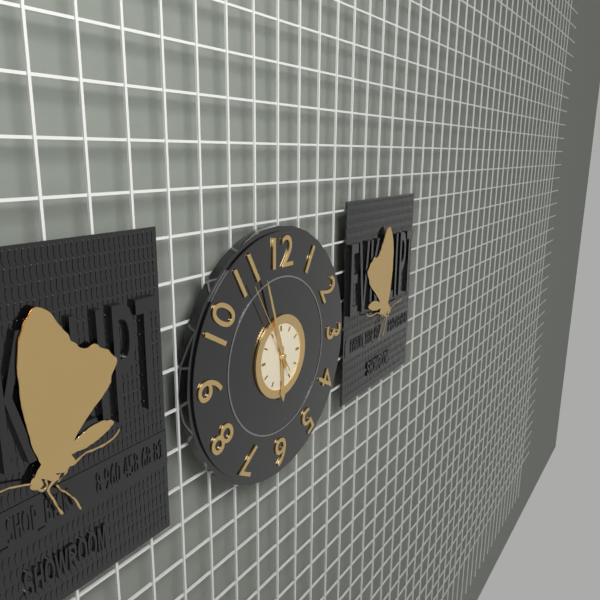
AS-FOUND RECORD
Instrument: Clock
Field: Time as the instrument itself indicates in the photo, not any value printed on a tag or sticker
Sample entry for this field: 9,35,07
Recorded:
5,57,55
